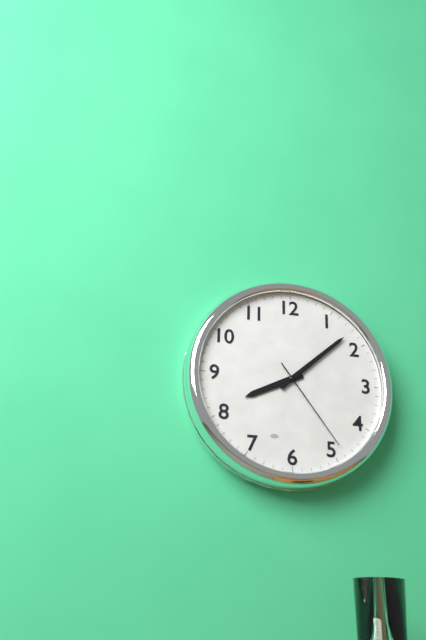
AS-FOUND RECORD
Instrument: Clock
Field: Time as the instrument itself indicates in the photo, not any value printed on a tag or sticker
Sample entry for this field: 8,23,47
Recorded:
8,08,24
